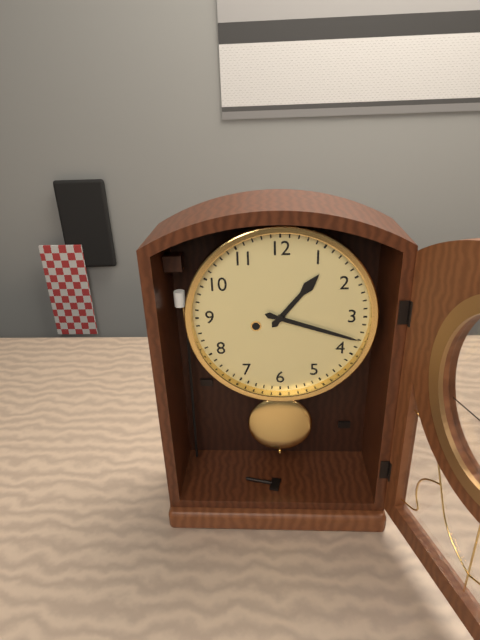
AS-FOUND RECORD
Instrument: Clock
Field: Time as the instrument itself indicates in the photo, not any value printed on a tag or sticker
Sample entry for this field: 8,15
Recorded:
1,18
